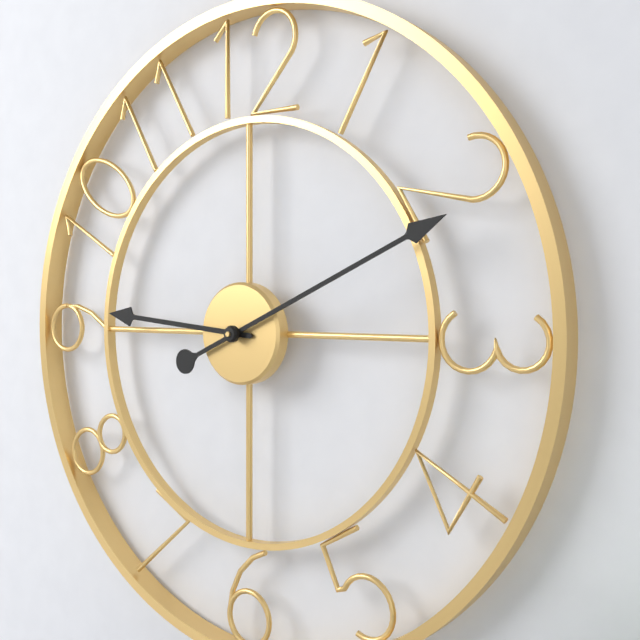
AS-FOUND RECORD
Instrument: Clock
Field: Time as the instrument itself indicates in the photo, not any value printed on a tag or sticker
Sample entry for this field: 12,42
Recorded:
9,11
